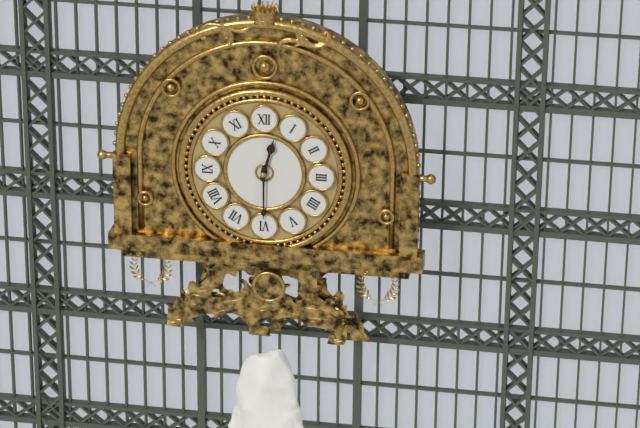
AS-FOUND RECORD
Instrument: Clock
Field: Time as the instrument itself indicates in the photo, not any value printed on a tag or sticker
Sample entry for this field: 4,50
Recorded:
12,30
